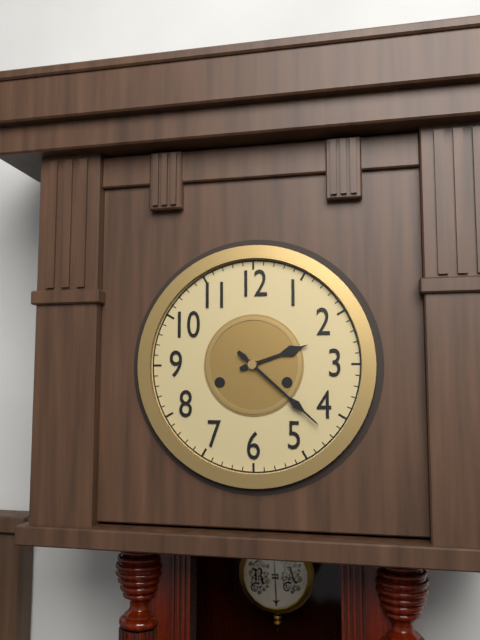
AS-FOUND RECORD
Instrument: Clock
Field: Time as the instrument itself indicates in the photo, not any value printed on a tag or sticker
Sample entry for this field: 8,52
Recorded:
2,22
